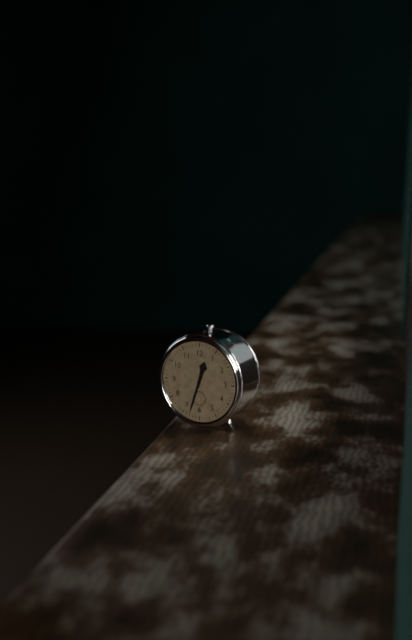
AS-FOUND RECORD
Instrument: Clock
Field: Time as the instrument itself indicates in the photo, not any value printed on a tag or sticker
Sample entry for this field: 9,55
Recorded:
12,33
